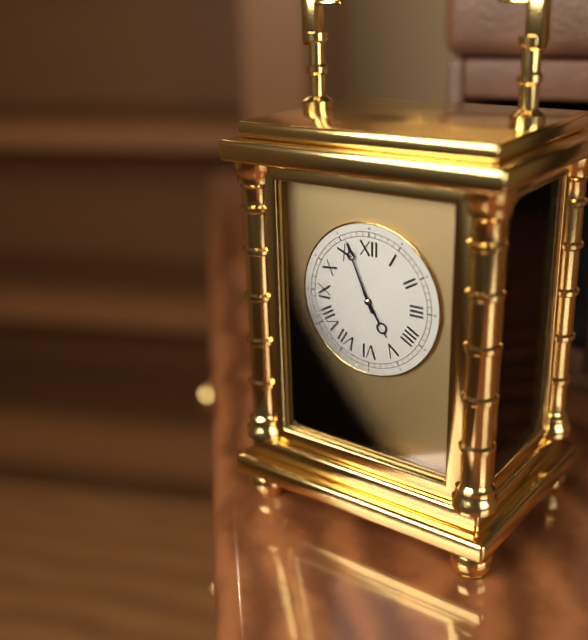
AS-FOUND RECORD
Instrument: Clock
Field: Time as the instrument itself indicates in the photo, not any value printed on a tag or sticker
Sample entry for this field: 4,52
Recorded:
4,56
